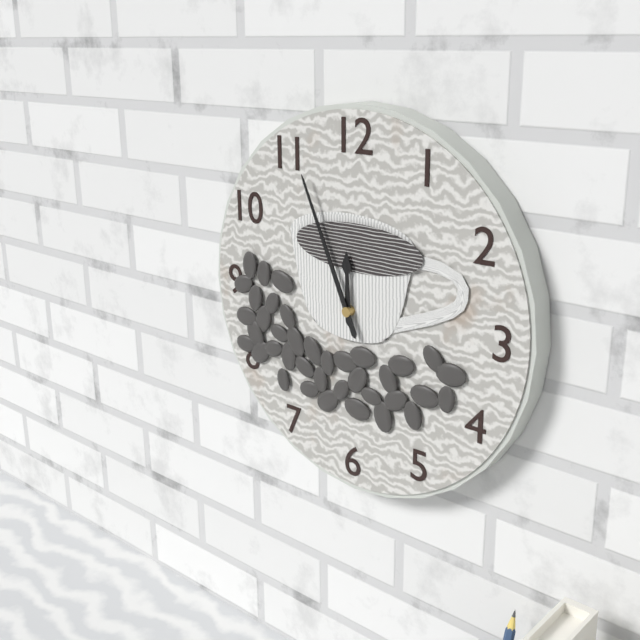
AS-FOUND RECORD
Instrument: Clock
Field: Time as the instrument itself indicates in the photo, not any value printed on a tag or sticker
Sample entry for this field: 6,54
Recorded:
11,56
